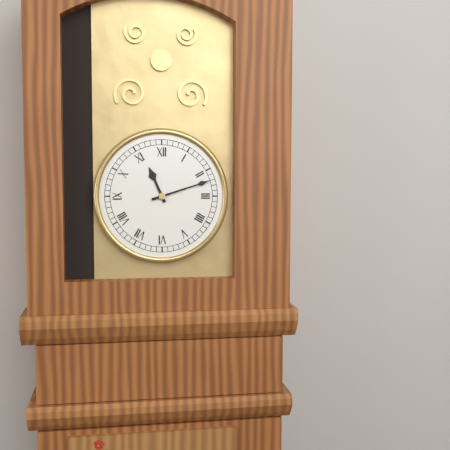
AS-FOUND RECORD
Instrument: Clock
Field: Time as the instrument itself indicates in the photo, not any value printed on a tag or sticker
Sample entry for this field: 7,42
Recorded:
11,12
